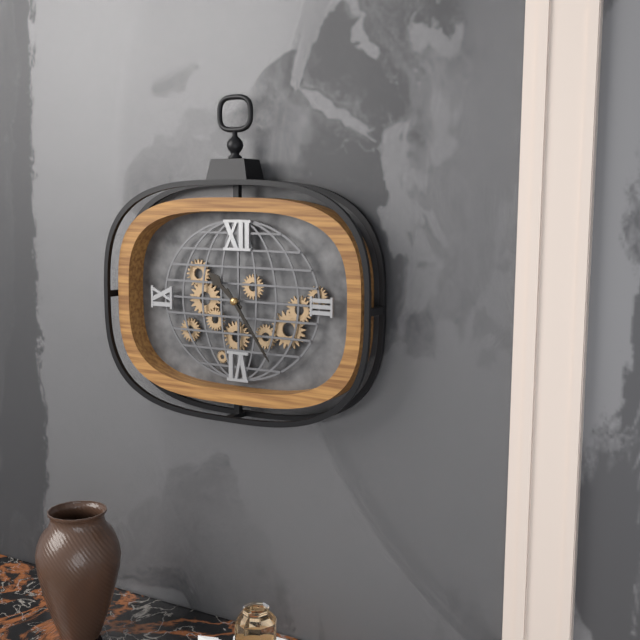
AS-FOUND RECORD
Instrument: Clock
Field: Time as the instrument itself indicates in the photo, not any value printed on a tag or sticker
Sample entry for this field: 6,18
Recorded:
10,24
